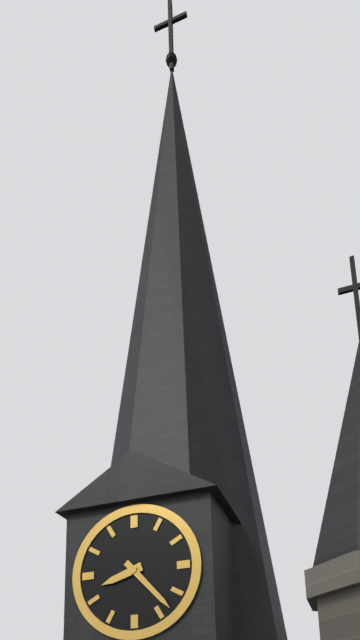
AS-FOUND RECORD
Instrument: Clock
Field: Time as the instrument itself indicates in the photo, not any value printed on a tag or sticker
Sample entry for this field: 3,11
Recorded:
8,23
